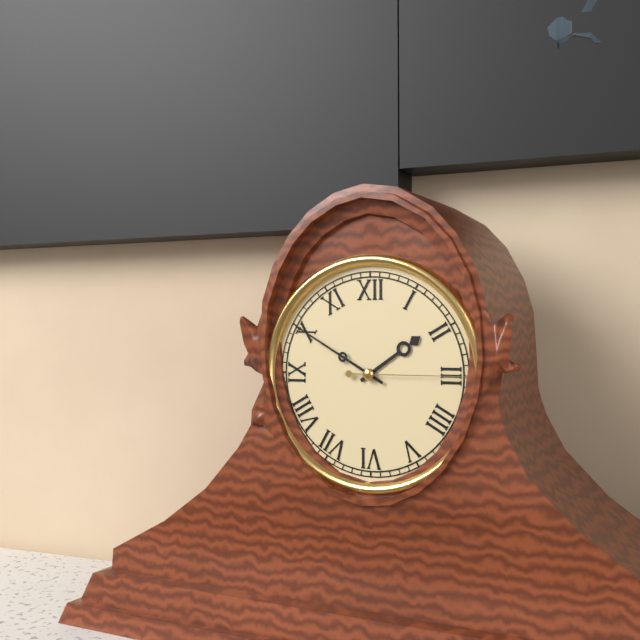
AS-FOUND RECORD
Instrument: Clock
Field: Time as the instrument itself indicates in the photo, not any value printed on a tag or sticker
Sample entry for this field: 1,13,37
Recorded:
1,50,15
